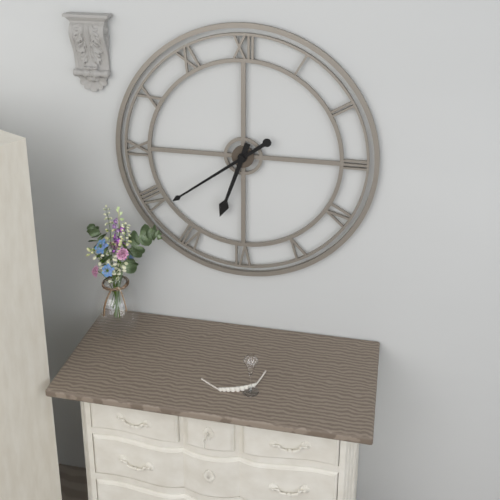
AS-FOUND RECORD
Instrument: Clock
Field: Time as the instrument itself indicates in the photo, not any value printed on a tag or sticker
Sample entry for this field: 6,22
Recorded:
6,39
